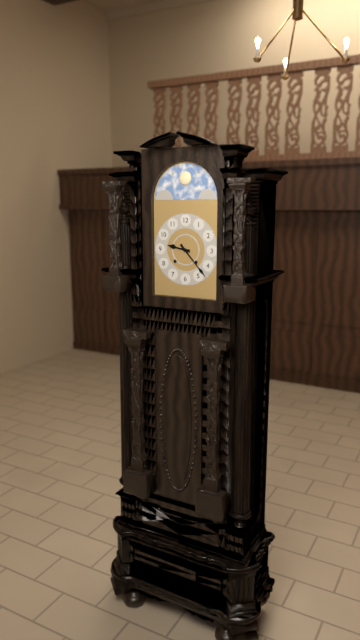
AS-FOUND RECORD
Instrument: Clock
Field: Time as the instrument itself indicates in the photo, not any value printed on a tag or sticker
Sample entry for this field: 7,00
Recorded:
9,23
